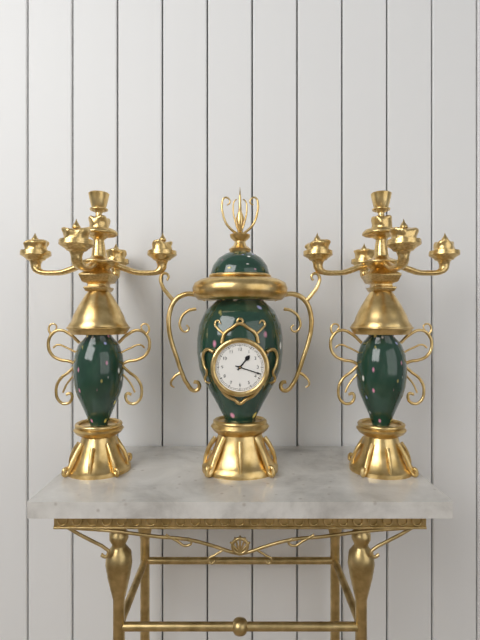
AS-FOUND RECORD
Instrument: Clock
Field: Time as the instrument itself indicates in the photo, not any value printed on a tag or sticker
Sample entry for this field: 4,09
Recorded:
1,18
